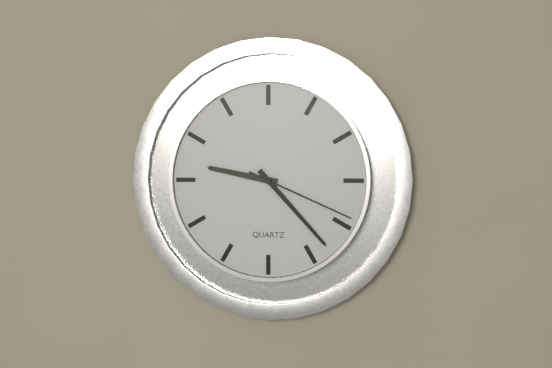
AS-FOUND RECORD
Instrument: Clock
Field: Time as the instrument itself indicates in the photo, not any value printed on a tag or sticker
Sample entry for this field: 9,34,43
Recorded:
9,23,19
